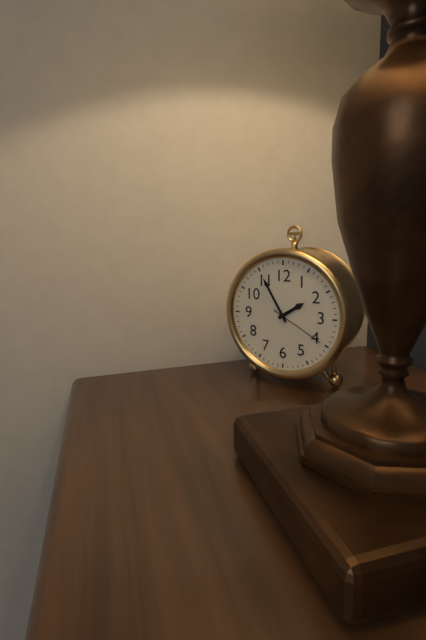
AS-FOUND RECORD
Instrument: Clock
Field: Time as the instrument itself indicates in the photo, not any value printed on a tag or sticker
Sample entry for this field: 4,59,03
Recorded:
1,55,20
